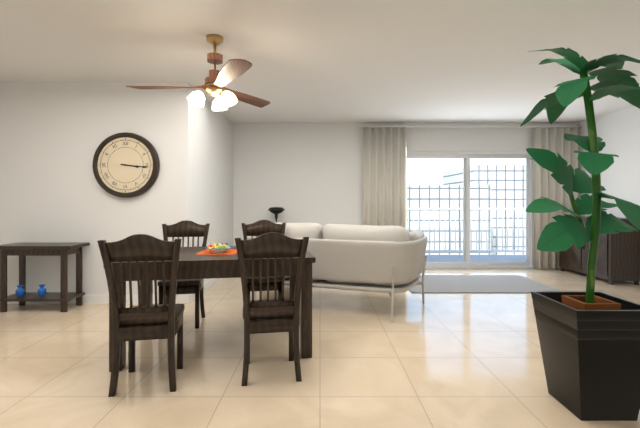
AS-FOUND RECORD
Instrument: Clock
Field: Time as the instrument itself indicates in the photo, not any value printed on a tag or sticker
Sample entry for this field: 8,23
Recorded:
3,16
